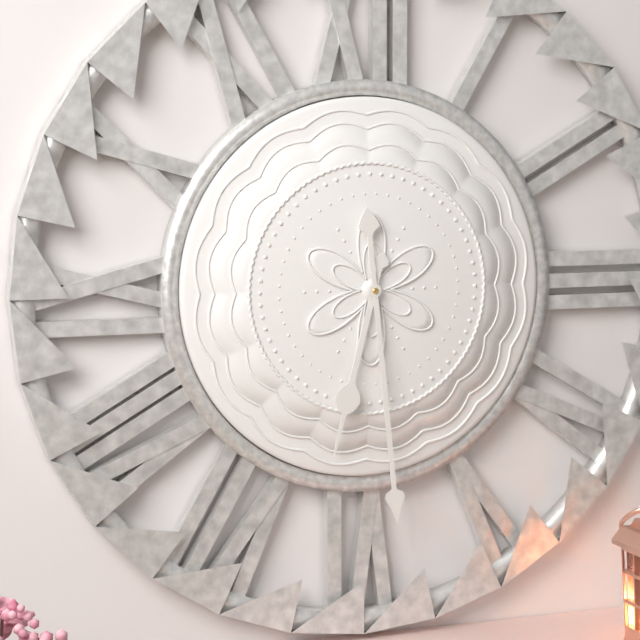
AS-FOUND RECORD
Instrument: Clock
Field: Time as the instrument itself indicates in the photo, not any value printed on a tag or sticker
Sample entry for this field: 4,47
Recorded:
6,29
